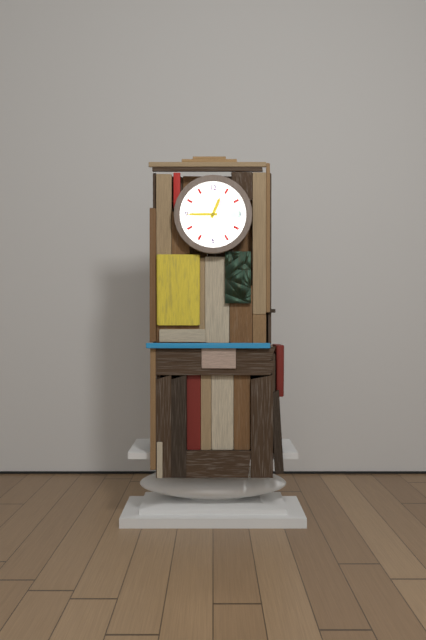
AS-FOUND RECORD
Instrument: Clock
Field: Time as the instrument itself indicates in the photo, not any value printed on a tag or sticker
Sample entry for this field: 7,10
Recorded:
12,45
